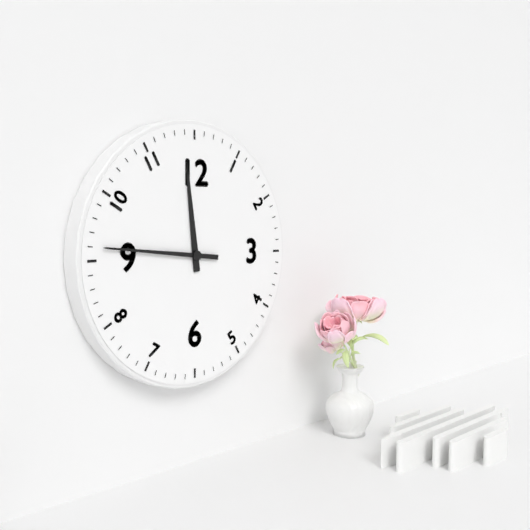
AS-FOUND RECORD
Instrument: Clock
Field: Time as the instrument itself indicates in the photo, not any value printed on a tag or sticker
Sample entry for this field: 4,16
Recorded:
11,46
